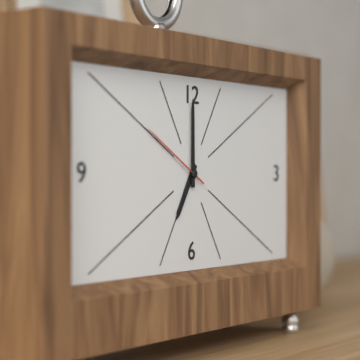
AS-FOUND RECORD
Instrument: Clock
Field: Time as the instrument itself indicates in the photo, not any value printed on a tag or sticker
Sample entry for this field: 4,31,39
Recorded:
7,00,50
